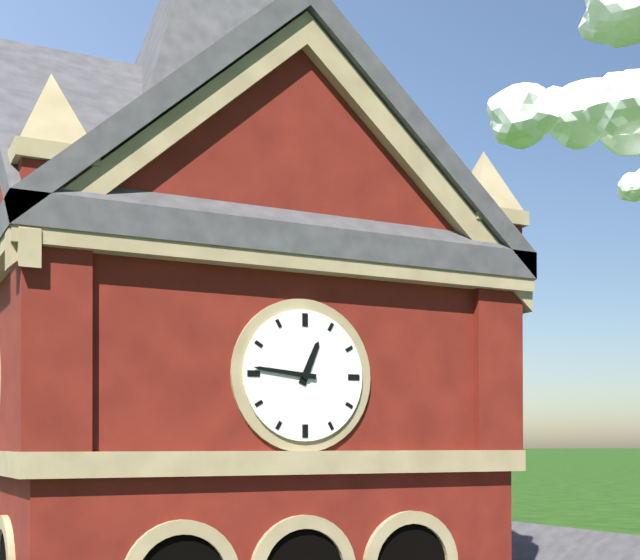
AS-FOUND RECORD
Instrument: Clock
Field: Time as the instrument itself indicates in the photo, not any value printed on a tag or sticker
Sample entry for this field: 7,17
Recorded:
12,46
